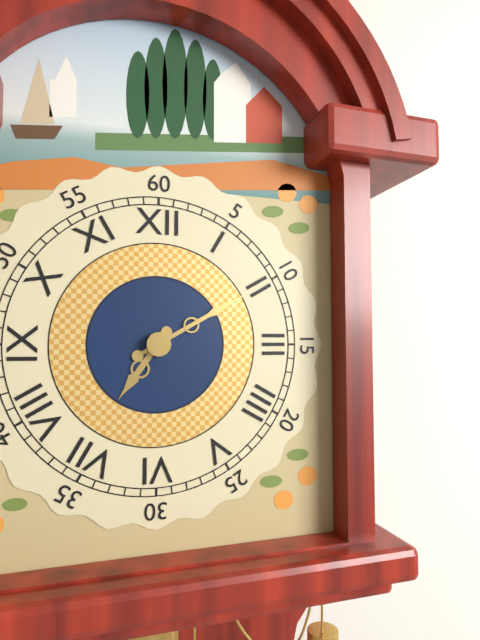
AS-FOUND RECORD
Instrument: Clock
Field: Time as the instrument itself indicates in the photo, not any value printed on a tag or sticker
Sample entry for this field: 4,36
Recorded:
7,10
